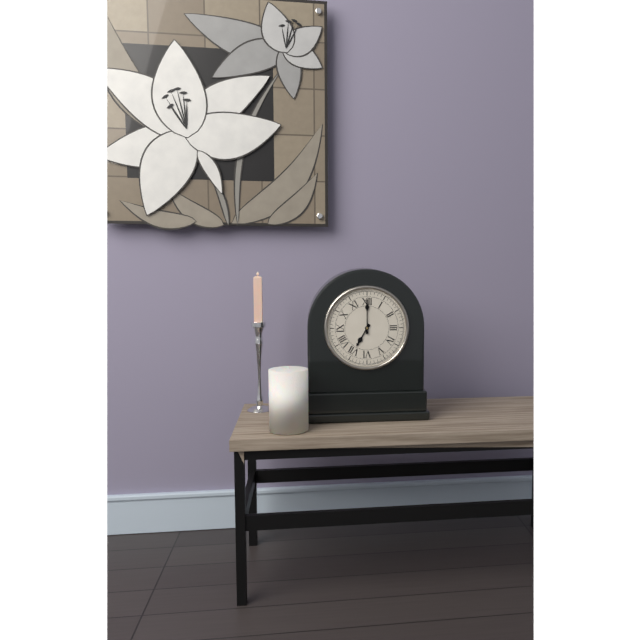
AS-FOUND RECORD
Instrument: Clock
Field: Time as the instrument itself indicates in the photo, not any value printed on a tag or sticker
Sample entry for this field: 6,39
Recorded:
7,00
